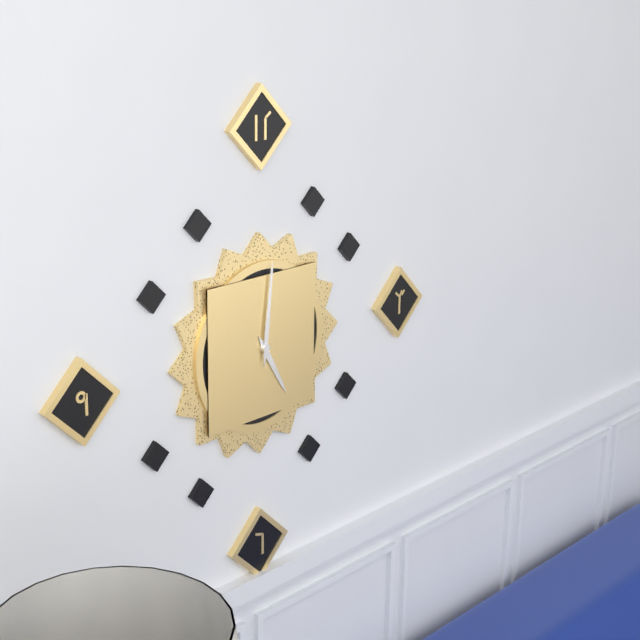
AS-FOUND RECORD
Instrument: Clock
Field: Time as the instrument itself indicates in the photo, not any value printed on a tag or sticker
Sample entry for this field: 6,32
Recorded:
5,01
